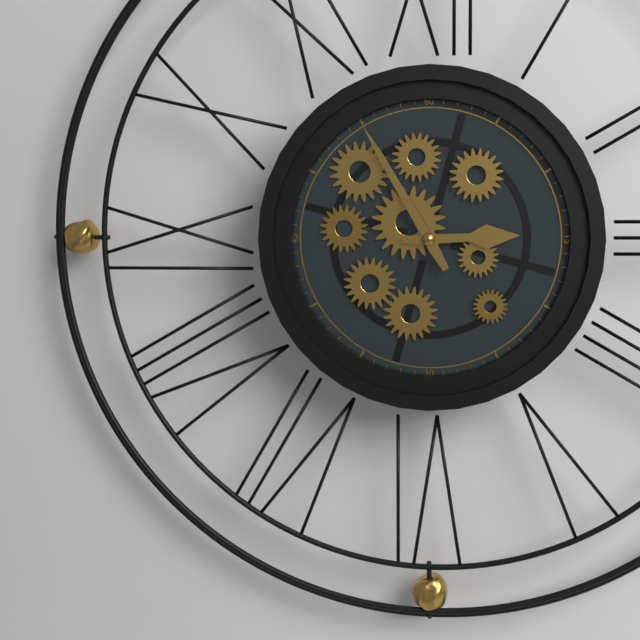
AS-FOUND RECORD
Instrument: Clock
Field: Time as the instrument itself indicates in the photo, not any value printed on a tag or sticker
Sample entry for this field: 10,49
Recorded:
2,55
